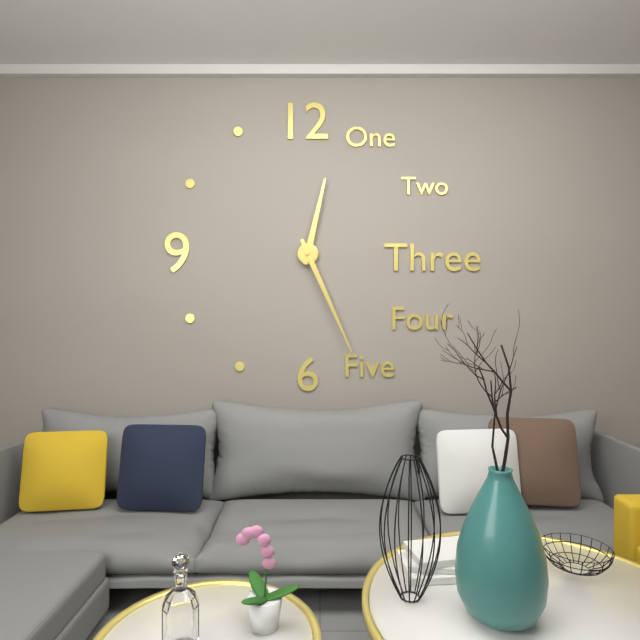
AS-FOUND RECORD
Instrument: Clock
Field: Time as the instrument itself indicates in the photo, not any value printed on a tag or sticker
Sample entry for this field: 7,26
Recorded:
12,26
